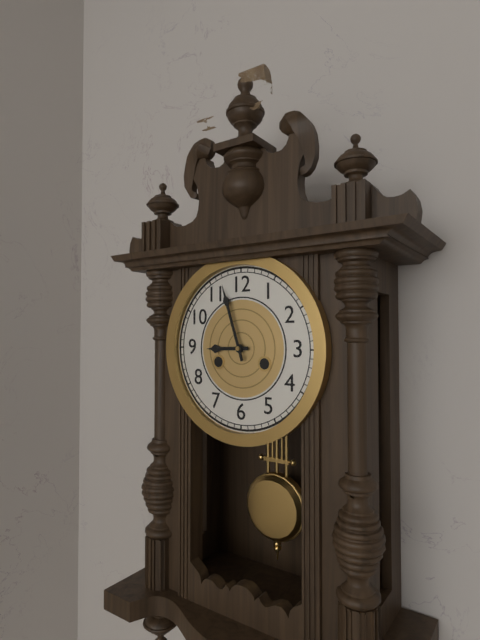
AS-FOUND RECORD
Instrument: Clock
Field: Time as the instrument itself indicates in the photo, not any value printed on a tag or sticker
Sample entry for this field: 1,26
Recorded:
8,57
